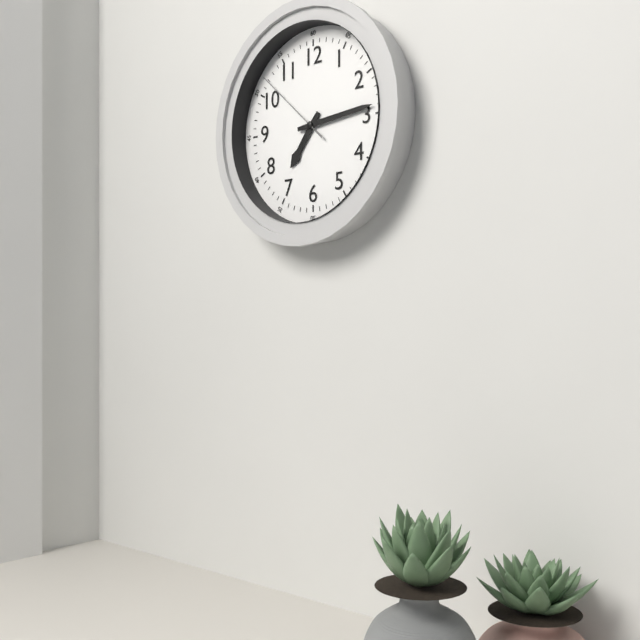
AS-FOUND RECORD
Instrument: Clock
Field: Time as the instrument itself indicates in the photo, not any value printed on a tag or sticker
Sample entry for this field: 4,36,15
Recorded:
7,14,52
